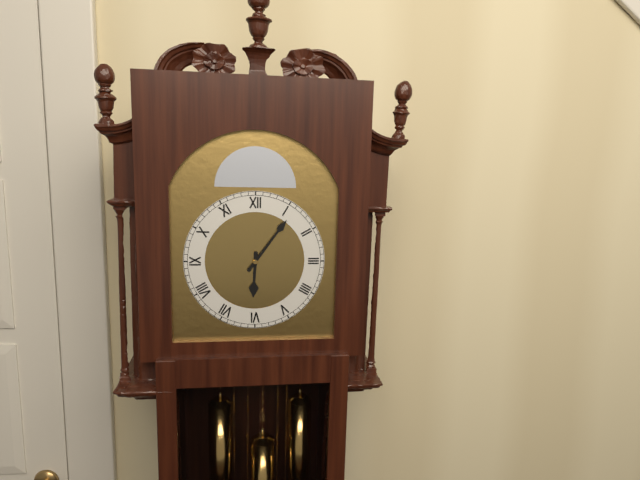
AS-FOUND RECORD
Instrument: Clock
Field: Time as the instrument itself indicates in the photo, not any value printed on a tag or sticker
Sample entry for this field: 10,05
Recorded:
6,06
